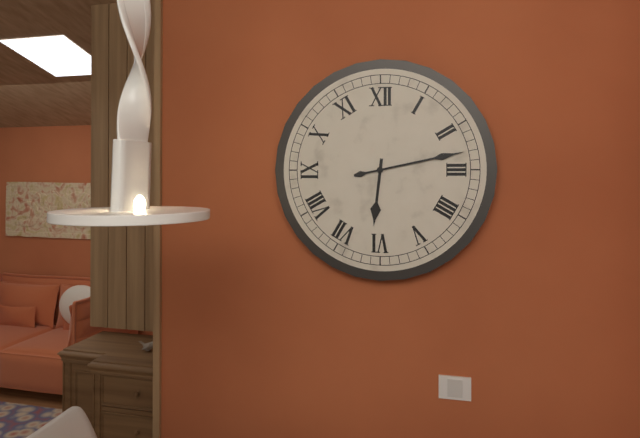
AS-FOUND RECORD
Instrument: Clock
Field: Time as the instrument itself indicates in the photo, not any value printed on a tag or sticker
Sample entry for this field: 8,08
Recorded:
6,13
